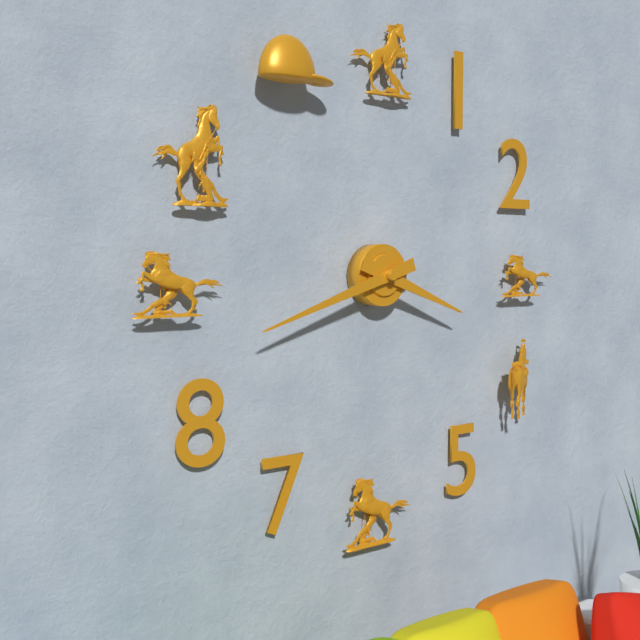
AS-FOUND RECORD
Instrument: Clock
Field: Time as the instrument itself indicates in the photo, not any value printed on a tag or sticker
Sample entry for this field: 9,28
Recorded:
3,42
